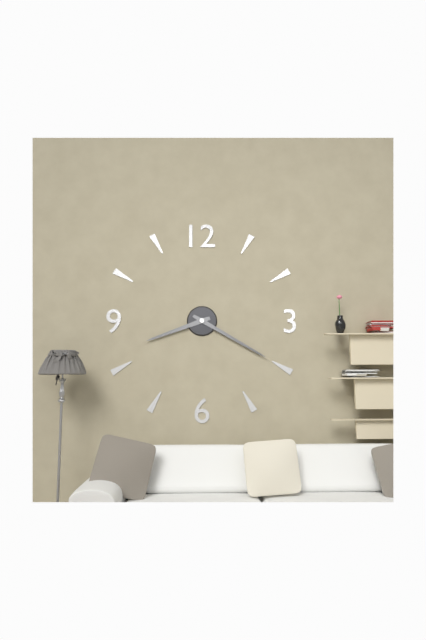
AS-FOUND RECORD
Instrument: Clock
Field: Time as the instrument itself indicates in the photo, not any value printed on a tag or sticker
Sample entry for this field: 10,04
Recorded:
8,20
